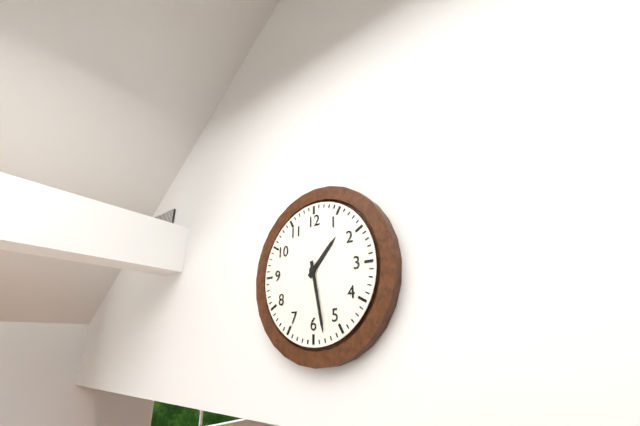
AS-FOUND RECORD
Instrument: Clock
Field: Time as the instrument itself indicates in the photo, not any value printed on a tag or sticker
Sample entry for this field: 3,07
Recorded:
1,28
